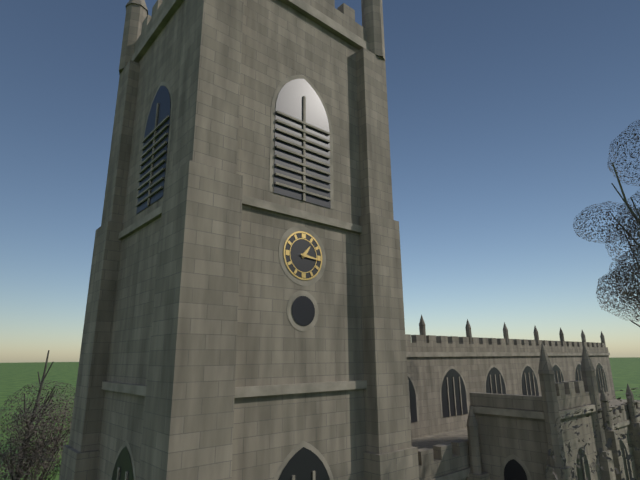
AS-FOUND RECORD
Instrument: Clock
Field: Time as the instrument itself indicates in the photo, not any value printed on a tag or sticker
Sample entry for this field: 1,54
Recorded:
1,16
